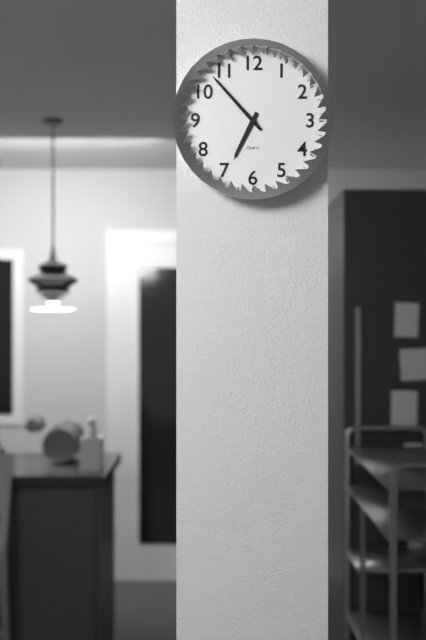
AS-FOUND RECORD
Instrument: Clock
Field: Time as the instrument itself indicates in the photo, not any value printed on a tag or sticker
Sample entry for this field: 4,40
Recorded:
6,53
